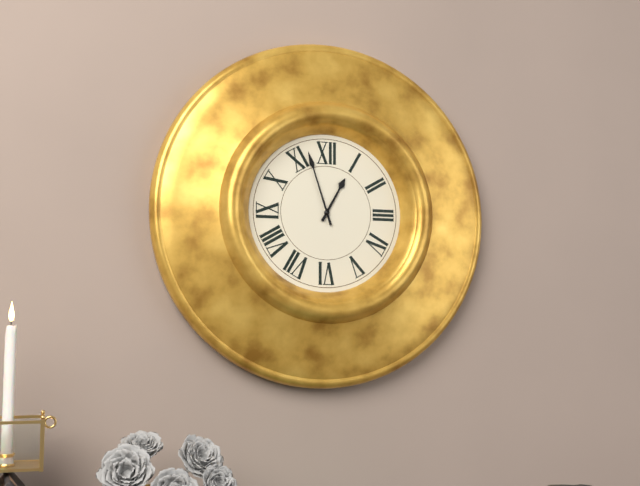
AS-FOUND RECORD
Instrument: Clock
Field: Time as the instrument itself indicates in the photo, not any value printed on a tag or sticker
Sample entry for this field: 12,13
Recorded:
12,57
